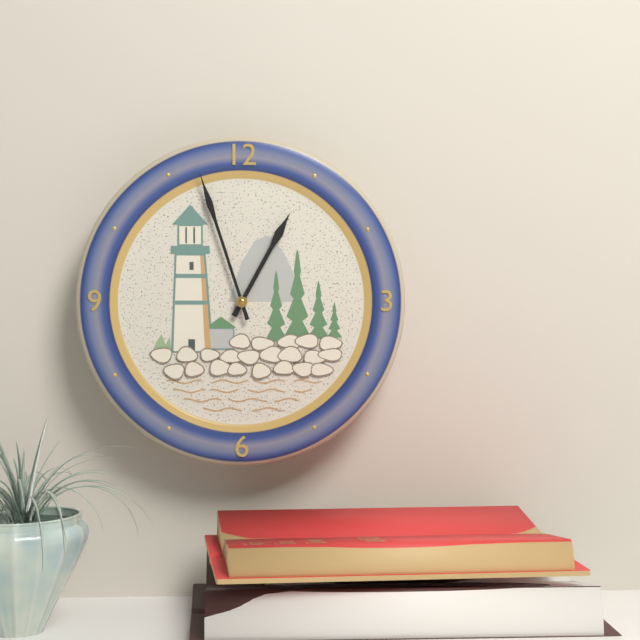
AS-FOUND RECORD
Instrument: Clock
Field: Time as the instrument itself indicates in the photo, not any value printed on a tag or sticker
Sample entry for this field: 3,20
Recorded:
12,57
